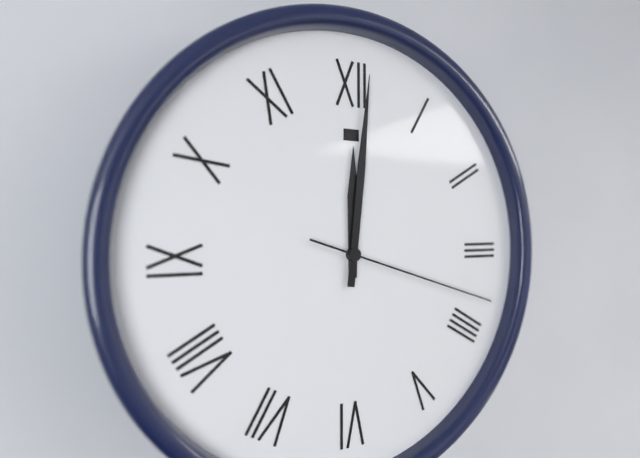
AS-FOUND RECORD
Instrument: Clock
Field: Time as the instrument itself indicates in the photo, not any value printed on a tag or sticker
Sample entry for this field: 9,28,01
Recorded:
12,01,18
